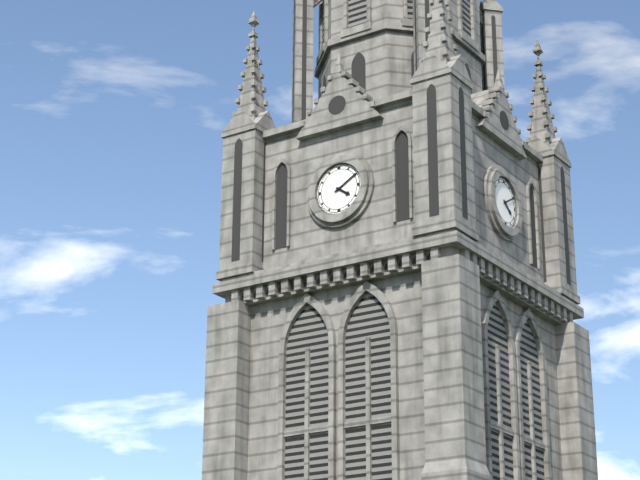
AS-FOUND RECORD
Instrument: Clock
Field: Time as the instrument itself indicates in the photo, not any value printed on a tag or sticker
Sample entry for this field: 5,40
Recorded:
4,10
